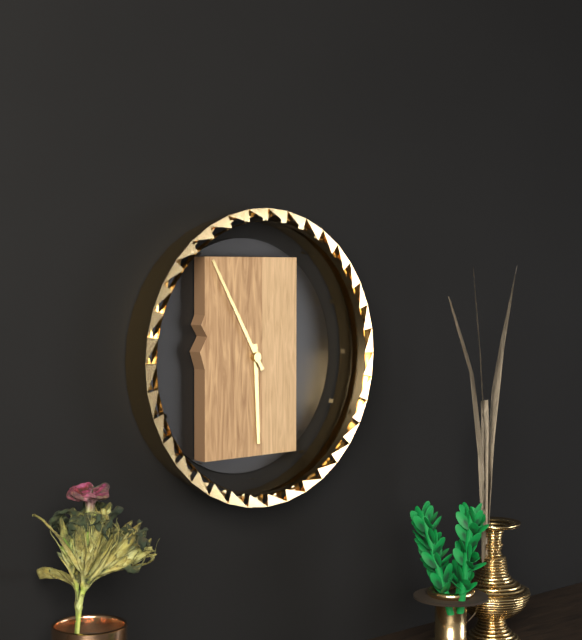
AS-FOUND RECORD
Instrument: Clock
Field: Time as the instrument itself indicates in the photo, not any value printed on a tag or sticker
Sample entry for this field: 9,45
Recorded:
5,55
